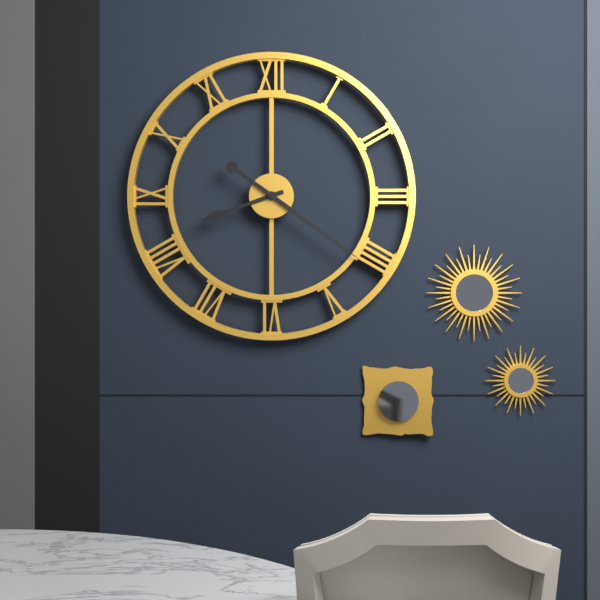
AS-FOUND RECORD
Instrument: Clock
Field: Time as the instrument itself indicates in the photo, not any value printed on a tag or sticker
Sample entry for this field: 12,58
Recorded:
8,21
